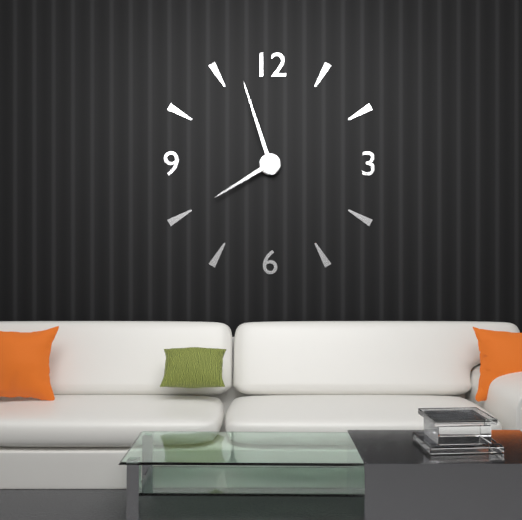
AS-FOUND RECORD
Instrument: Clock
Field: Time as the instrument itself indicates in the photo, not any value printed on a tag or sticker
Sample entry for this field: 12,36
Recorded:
7,57
